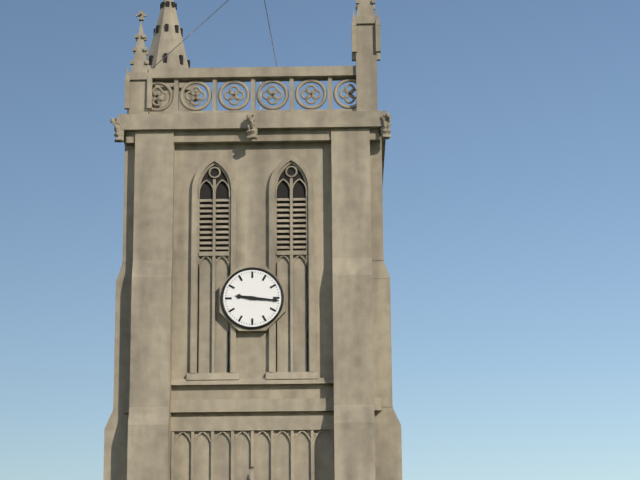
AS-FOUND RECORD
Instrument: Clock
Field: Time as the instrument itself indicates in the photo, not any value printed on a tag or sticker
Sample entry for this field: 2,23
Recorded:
9,16
